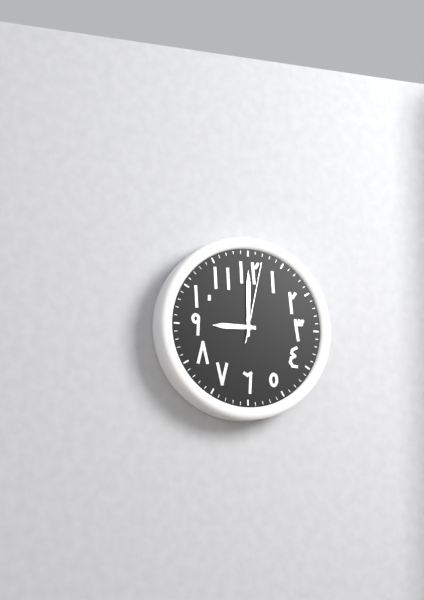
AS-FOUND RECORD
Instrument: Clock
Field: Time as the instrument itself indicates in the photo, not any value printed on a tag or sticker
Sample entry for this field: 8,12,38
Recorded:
9,00,02
